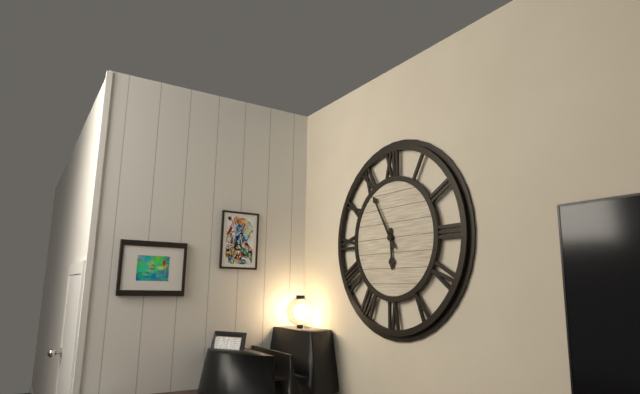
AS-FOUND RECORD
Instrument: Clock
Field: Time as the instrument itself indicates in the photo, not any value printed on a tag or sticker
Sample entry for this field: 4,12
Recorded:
5,55
